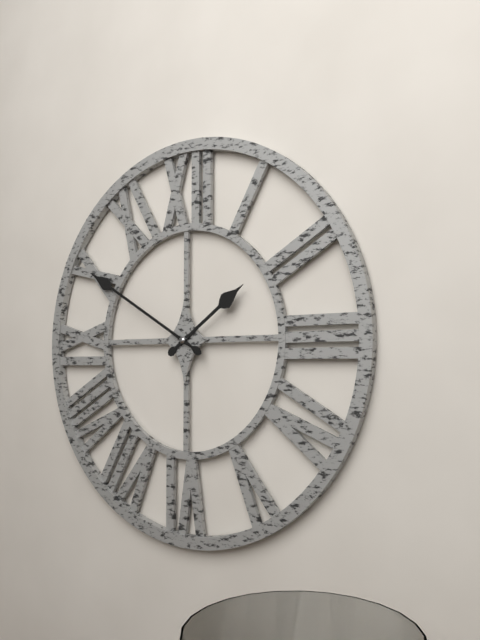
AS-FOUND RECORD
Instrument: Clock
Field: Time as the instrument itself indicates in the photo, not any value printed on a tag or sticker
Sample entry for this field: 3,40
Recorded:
1,50
